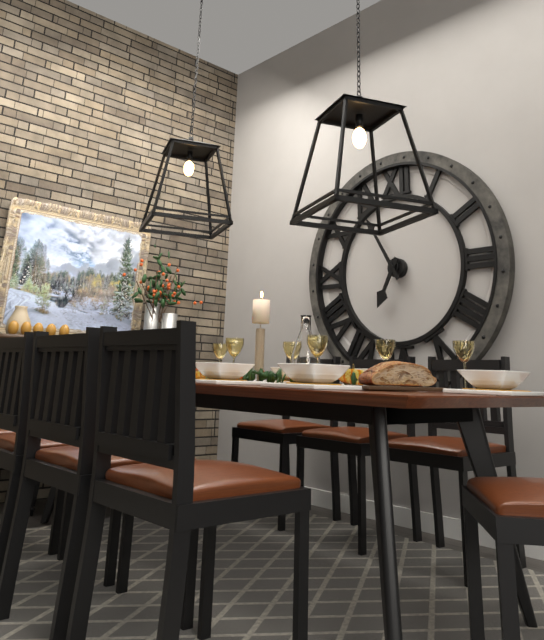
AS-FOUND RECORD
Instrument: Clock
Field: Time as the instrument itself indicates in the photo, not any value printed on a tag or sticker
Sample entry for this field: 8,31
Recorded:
6,55
